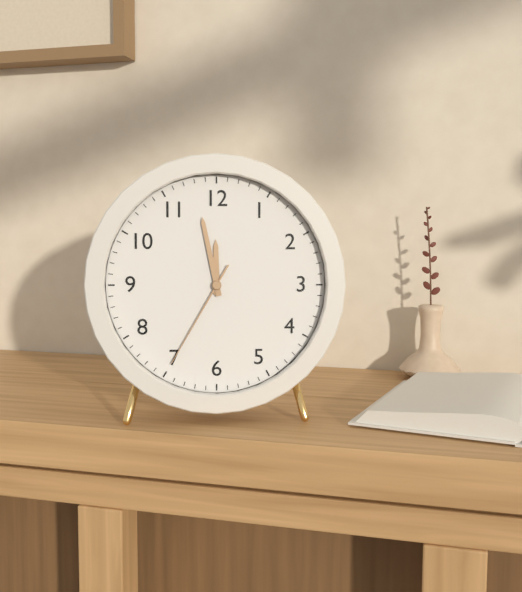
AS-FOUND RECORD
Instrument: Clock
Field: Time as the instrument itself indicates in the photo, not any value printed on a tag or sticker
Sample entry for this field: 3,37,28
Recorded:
11,58,35
